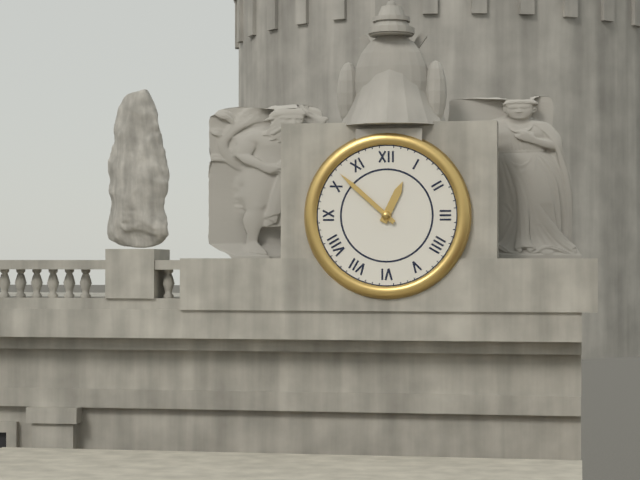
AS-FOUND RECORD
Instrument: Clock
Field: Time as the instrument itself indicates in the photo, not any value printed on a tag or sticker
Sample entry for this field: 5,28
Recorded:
12,52
